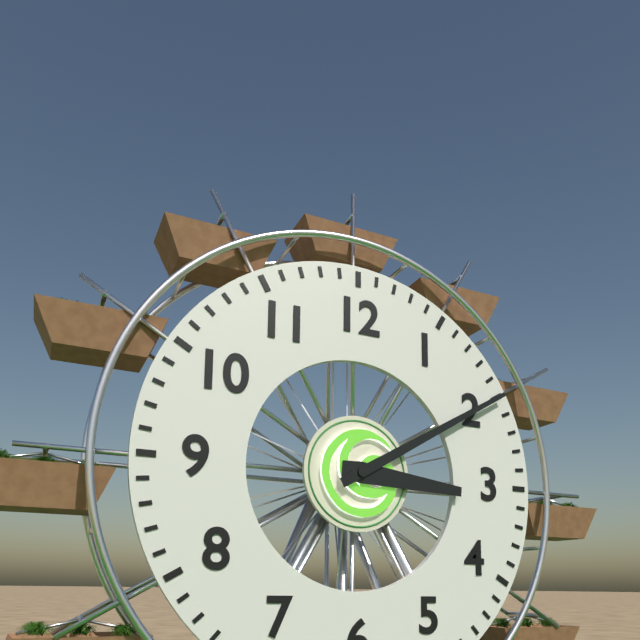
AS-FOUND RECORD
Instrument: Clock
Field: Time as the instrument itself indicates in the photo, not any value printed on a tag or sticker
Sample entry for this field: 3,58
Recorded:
3,10
